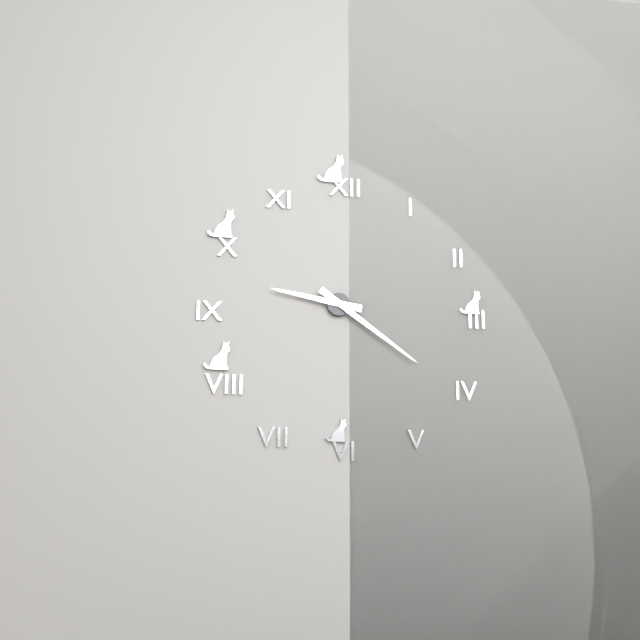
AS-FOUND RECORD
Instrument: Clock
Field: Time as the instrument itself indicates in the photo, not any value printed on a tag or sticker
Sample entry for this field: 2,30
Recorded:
9,21
